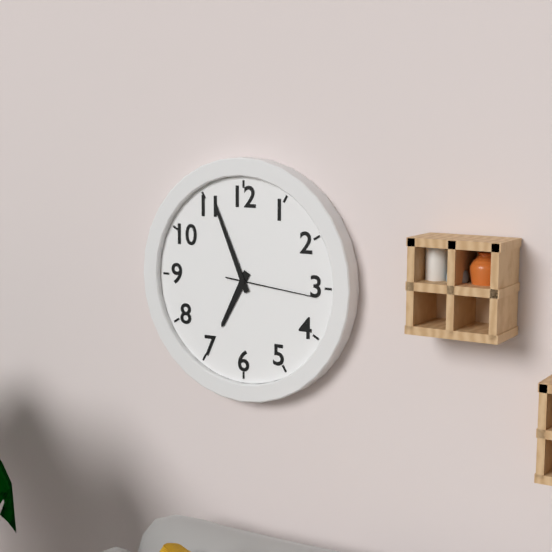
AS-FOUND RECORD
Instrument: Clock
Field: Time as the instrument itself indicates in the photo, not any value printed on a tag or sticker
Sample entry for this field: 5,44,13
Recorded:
6,56,16
